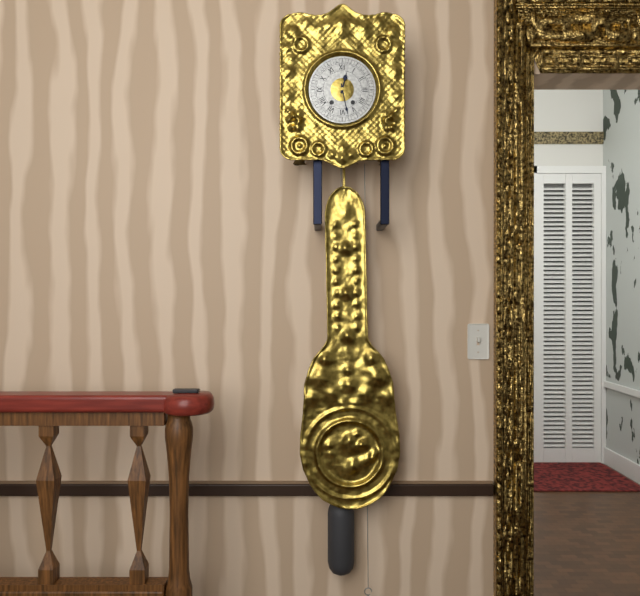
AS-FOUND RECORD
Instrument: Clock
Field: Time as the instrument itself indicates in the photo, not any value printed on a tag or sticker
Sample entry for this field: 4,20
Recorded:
12,28
